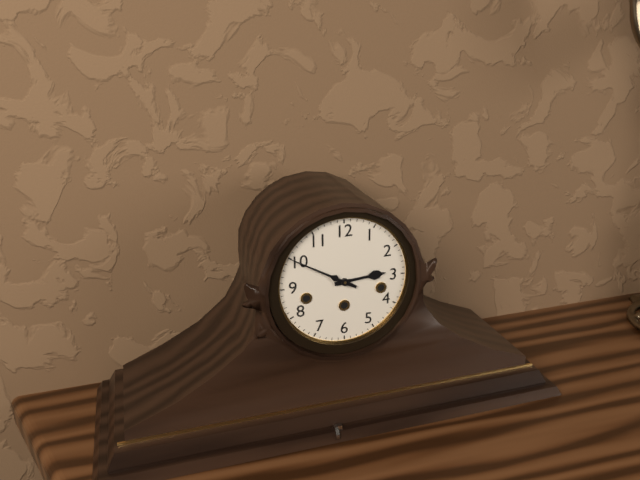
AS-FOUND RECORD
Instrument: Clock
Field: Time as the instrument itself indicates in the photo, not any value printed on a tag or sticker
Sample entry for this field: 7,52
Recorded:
2,50
